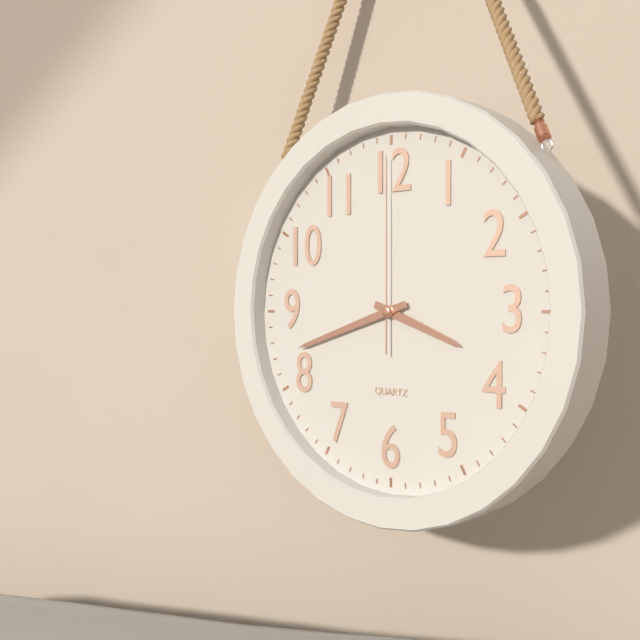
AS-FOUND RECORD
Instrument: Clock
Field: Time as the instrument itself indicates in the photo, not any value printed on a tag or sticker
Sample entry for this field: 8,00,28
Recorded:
3,42,00
